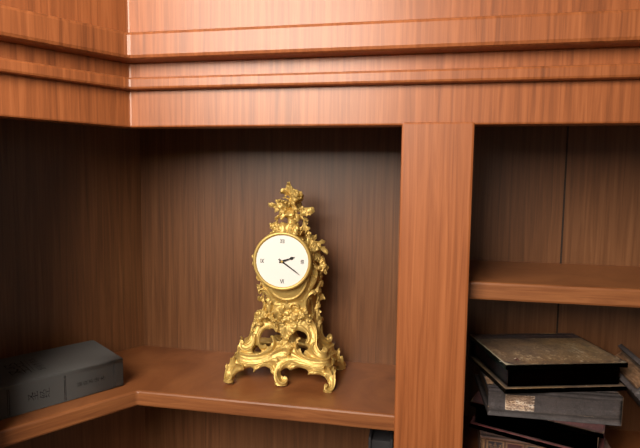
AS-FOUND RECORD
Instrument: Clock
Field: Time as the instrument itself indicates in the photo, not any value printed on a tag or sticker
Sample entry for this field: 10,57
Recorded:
2,21
